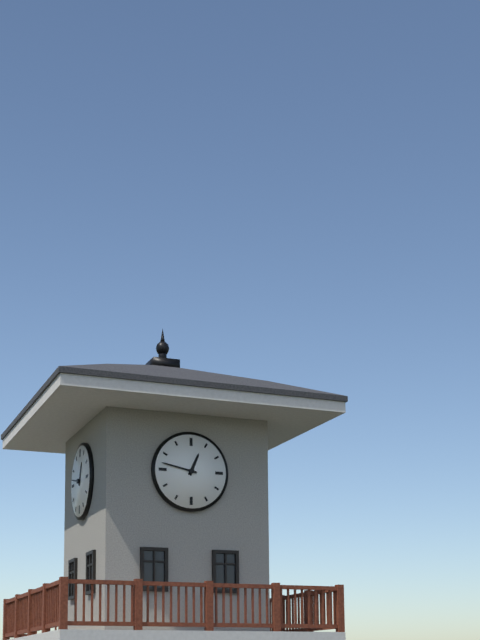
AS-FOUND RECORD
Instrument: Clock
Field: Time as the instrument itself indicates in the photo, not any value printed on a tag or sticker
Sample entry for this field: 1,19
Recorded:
12,47
